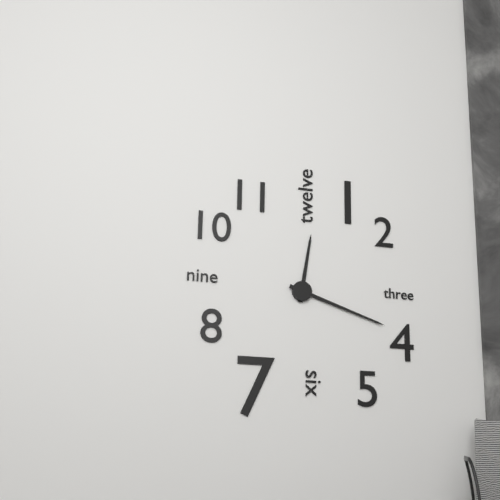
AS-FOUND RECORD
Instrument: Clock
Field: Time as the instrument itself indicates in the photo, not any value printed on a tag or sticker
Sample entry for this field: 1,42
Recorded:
12,18
